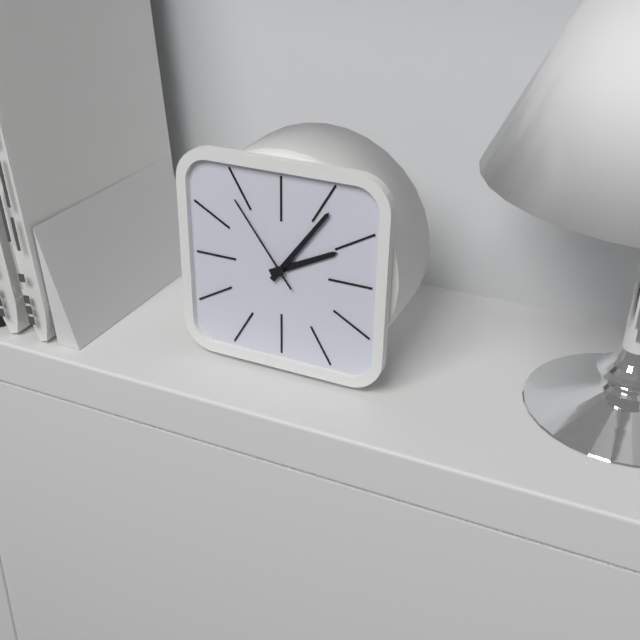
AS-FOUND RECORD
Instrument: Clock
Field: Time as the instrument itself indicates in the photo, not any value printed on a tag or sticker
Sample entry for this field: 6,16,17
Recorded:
2,06,54
